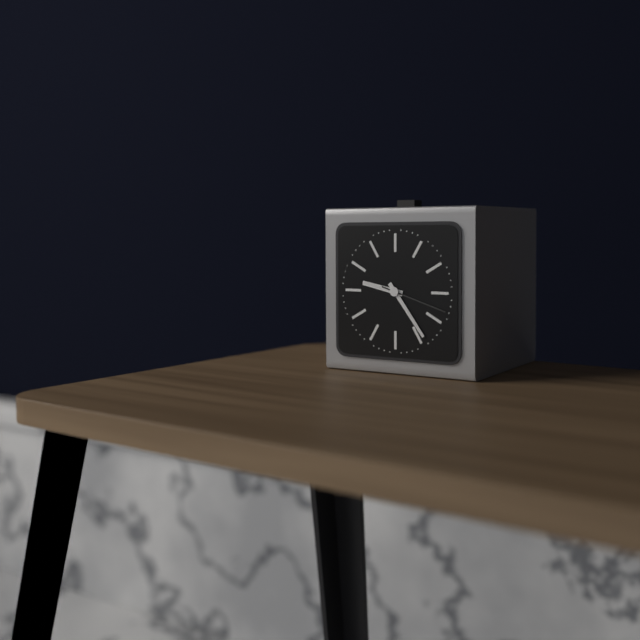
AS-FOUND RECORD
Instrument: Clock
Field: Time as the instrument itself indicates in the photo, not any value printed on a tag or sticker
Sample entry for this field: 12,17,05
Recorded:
9,24,18
